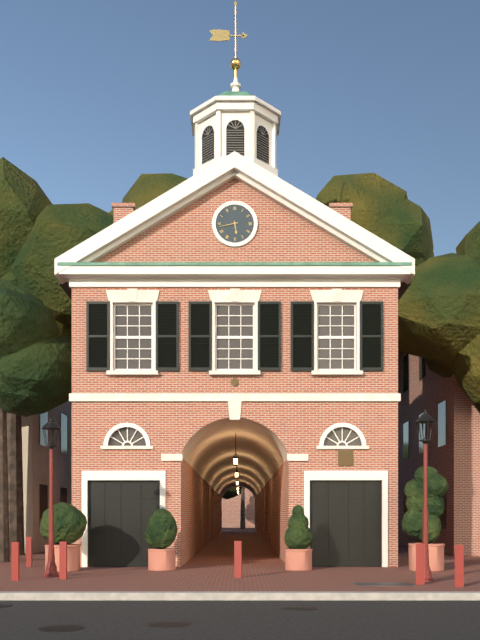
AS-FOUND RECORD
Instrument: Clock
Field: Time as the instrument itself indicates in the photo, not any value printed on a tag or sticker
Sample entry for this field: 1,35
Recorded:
5,43
